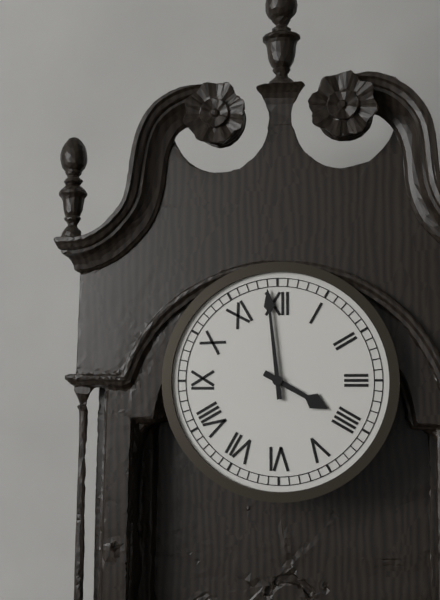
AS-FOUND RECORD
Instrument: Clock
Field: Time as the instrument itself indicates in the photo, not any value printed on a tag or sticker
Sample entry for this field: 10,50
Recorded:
3,59
